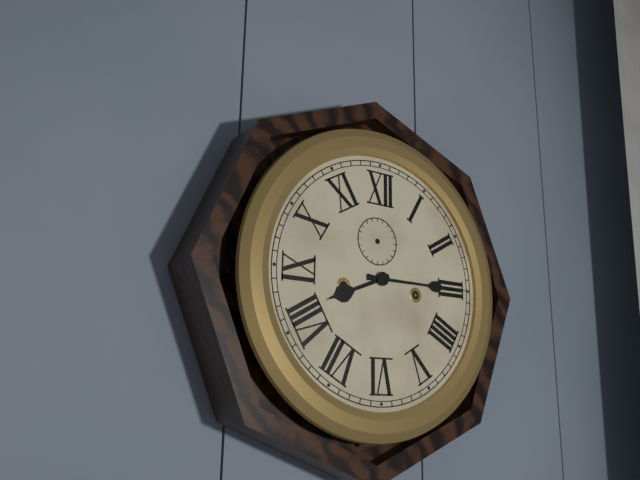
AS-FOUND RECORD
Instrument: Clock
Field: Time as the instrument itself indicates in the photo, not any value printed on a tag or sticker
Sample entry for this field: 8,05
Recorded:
8,15
